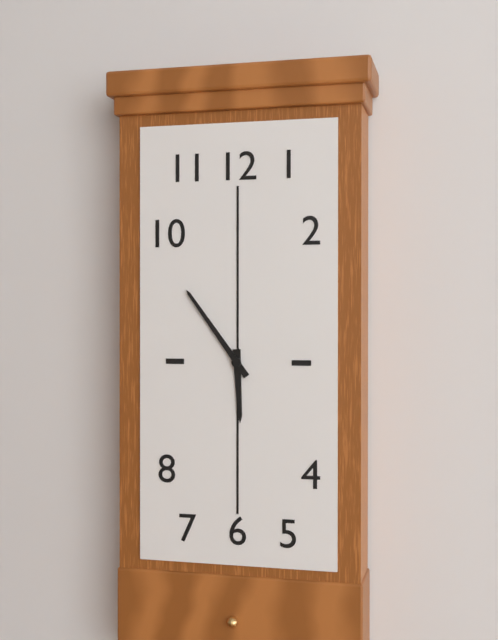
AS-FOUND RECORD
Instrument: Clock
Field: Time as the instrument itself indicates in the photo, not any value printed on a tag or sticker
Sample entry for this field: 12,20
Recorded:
5,54
